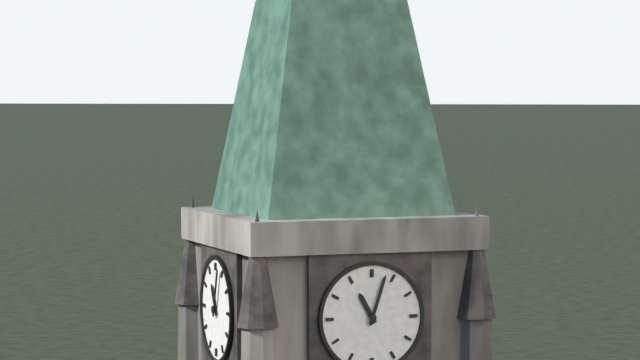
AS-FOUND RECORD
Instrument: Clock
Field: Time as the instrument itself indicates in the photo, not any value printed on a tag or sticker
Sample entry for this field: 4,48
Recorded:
11,03
